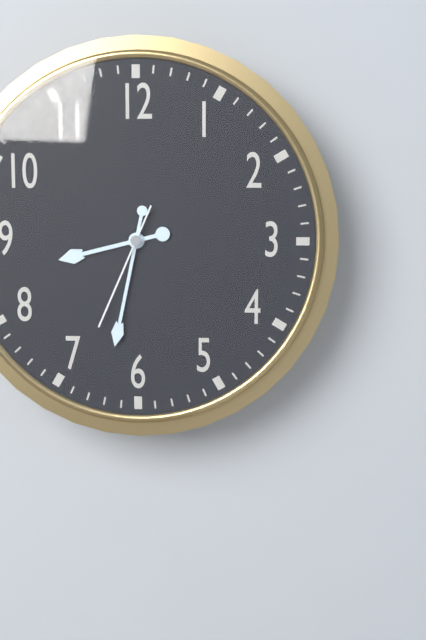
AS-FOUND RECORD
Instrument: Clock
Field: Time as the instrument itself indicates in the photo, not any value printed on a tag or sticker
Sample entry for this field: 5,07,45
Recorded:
8,32,34
